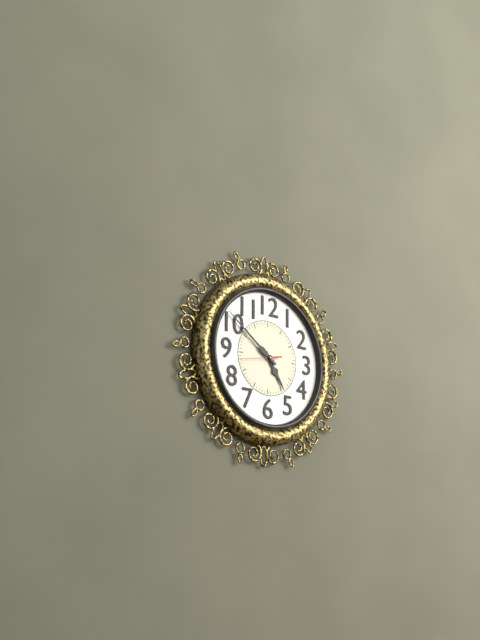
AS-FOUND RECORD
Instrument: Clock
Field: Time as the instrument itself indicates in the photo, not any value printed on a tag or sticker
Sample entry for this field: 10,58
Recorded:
4,51
